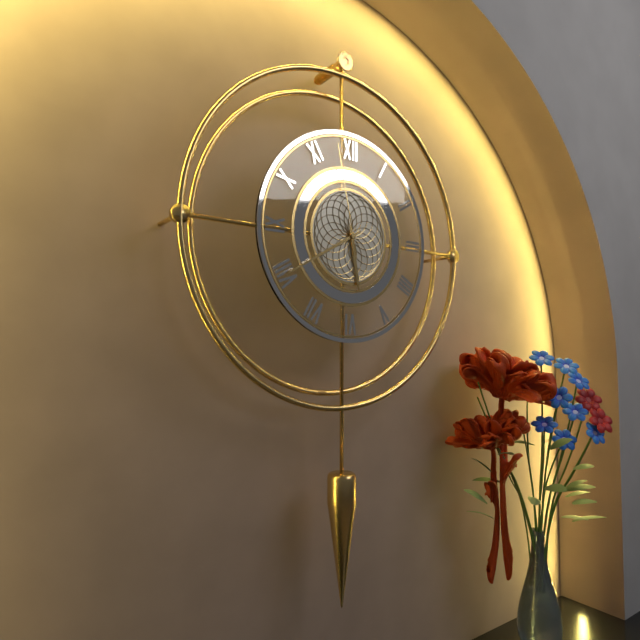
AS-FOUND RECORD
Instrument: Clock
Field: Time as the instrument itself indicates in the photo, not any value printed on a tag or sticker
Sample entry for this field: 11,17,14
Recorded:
5,40,58
